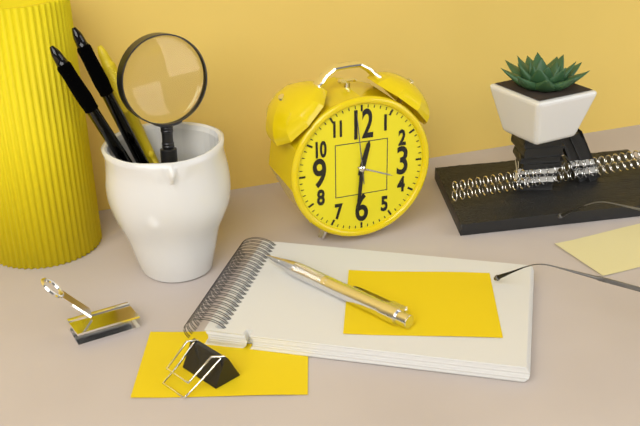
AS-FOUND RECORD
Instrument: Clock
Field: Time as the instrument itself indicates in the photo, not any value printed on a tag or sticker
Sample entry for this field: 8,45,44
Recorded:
12,31,59
